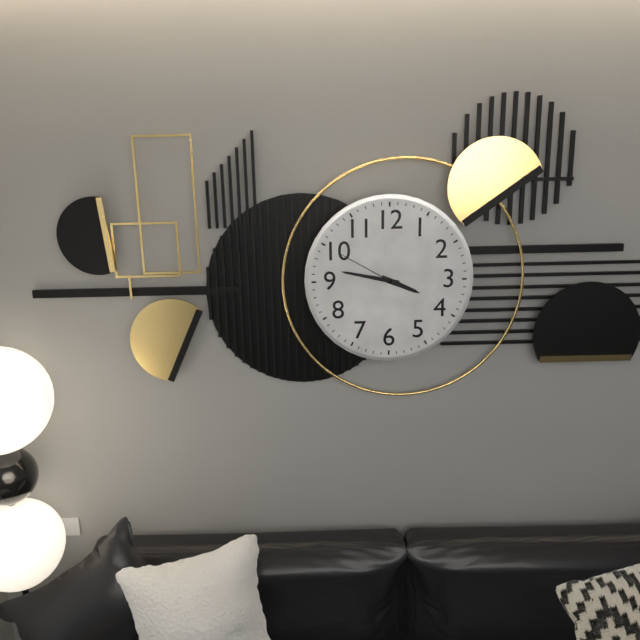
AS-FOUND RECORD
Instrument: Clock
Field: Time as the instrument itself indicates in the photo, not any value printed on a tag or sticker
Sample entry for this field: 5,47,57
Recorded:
3,47,50
